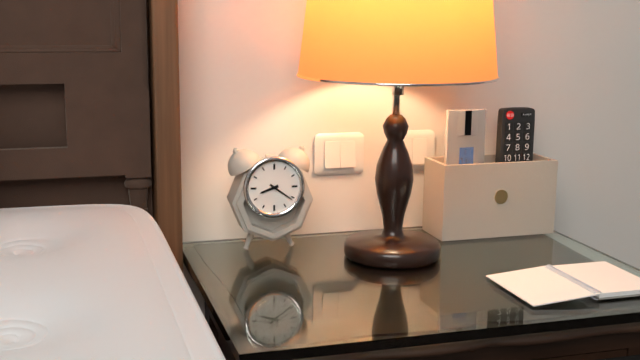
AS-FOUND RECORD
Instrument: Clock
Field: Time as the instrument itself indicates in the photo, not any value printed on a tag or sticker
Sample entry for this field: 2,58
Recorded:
8,21
